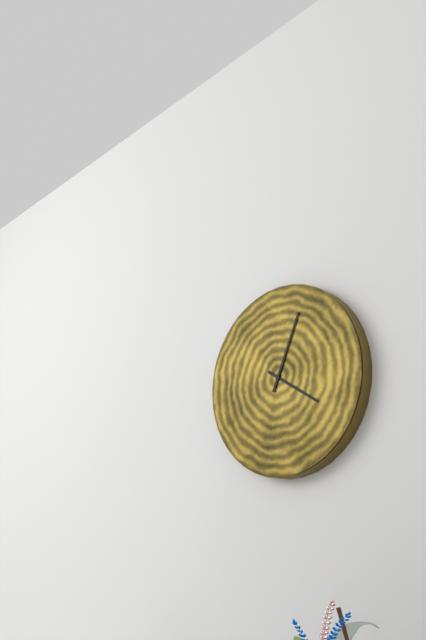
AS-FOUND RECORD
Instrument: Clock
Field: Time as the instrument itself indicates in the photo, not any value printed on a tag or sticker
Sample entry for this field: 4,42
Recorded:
4,04
